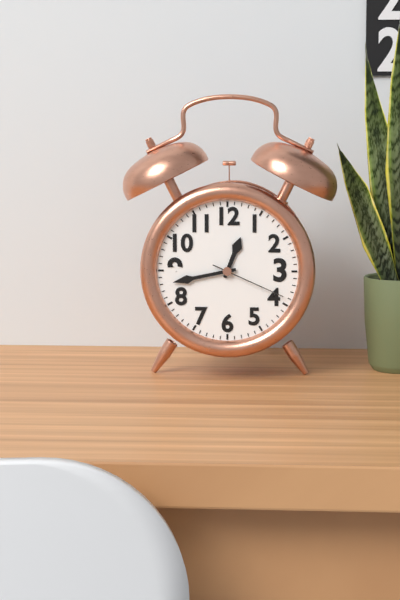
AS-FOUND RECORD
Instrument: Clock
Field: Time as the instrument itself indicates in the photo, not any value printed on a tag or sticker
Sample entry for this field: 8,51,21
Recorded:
12,43,19
